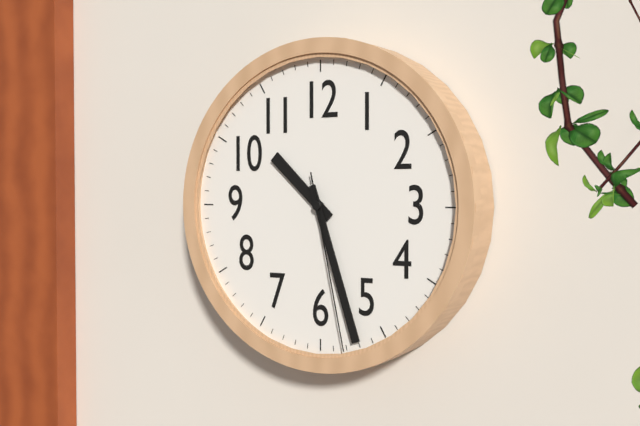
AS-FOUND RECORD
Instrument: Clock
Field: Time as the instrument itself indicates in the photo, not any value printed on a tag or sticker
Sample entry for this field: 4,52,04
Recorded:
10,27,28
